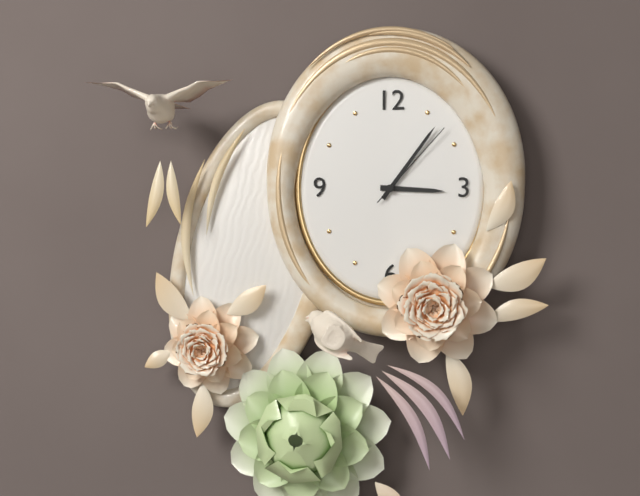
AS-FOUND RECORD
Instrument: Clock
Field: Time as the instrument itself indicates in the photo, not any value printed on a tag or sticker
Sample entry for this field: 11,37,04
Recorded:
3,06,07
